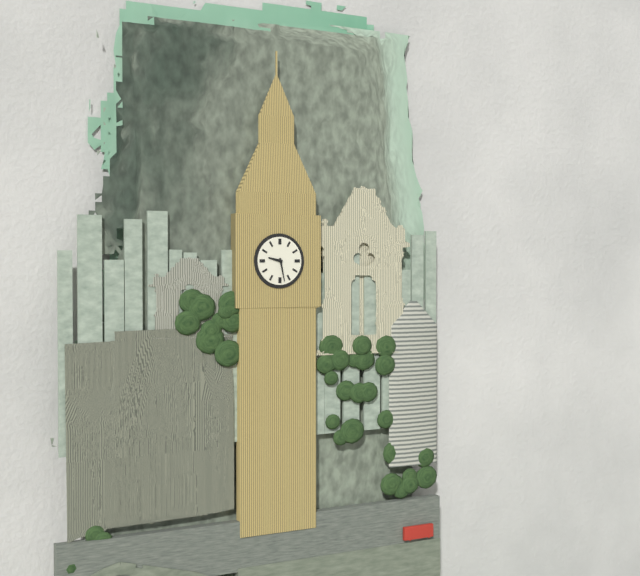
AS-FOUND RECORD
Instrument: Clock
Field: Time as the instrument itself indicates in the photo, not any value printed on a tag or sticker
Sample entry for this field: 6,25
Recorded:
9,28
